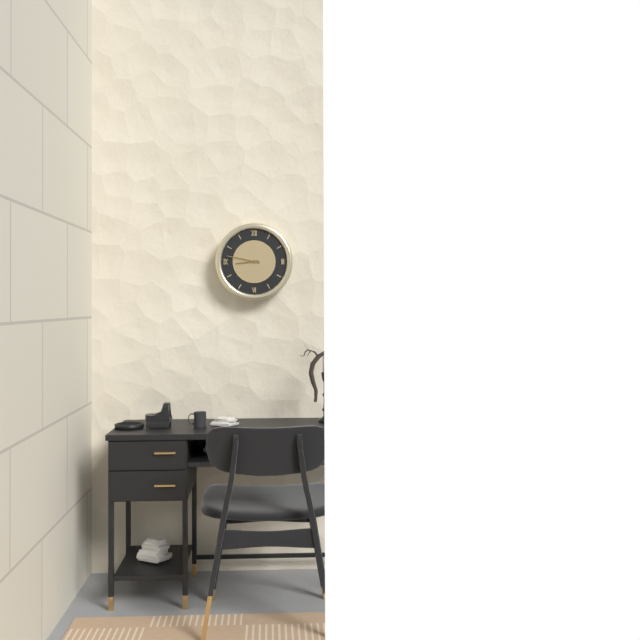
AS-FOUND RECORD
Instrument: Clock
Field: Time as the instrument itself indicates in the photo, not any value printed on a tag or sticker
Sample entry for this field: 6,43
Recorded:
8,47
